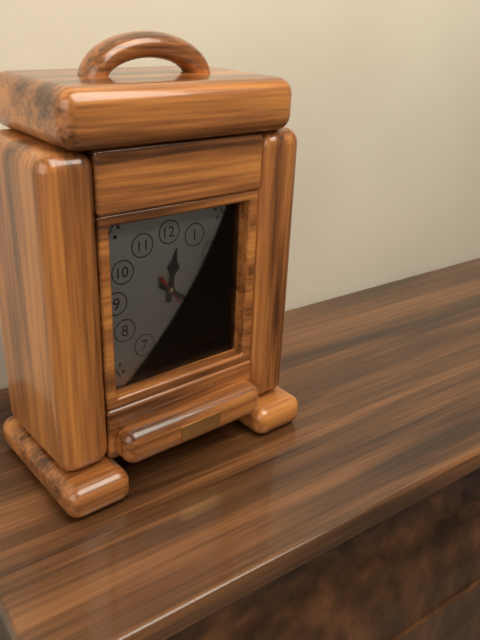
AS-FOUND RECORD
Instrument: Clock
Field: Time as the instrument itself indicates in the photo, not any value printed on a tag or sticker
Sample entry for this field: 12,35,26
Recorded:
12,21,24
